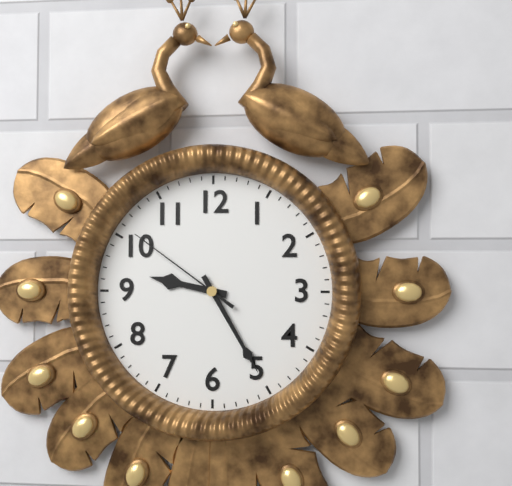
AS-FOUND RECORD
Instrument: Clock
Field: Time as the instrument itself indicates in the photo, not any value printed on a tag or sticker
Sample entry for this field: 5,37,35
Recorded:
9,25,51
